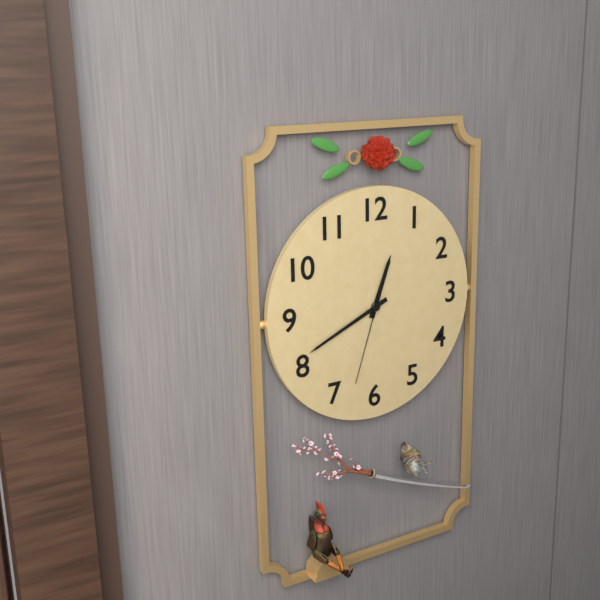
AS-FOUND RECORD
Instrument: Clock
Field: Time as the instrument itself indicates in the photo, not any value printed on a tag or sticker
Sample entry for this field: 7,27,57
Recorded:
12,41,33
